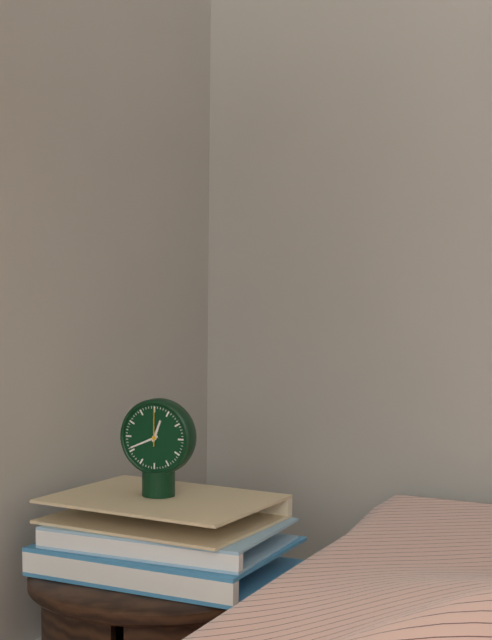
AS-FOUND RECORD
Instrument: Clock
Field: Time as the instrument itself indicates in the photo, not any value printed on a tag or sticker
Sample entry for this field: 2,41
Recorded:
12,41
